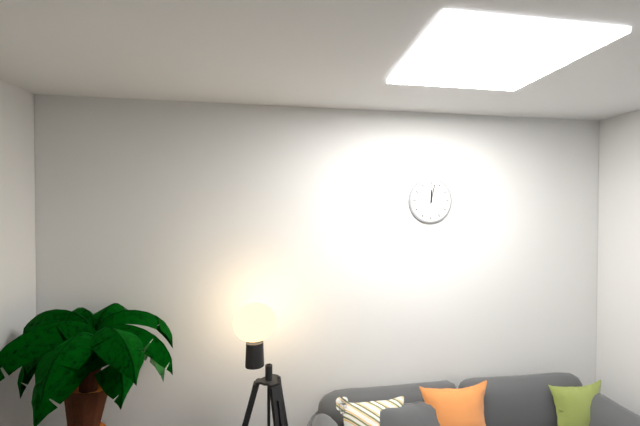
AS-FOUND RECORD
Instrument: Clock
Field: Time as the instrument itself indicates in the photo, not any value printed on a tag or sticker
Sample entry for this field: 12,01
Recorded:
12,02
